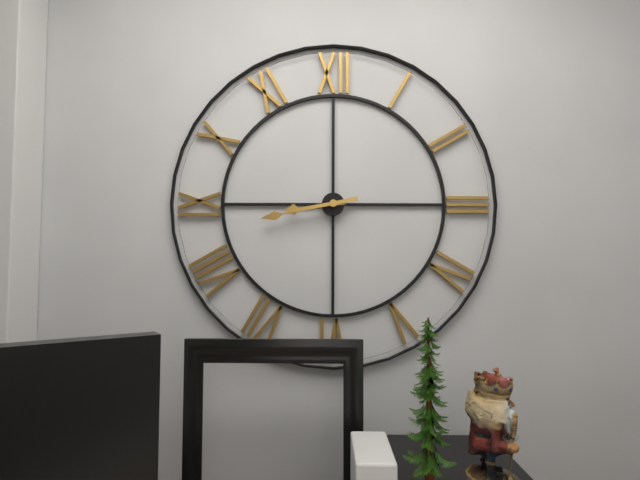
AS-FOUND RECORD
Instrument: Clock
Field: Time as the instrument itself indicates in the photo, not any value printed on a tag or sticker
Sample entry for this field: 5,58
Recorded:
8,43
